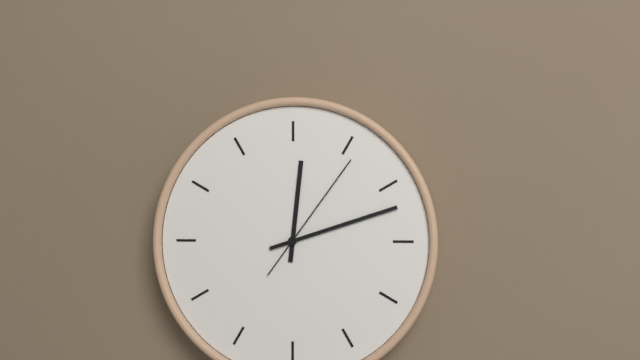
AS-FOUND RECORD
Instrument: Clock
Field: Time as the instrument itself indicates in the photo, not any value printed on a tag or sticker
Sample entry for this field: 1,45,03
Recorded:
12,12,06
